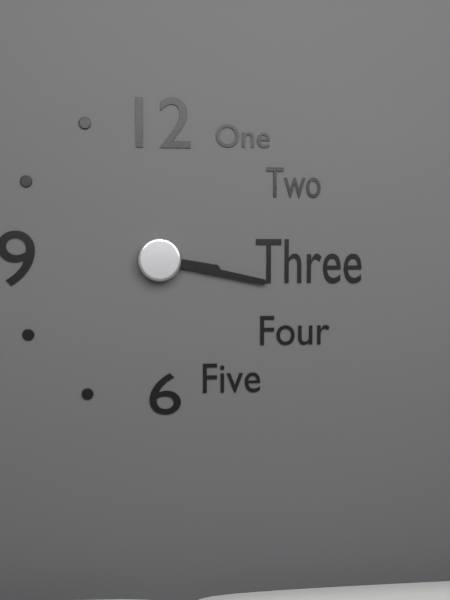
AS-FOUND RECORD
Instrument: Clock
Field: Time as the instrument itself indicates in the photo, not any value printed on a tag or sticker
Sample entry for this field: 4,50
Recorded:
3,17
